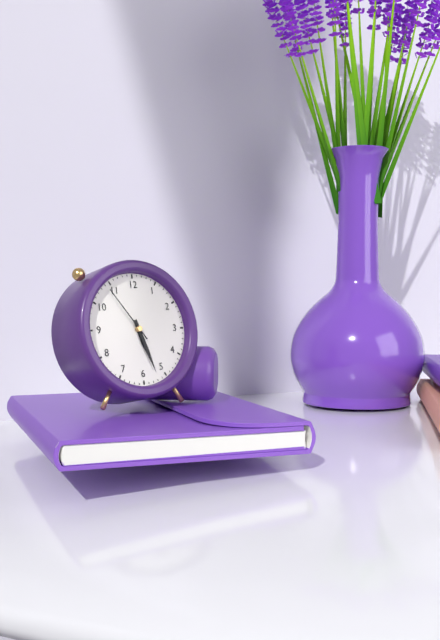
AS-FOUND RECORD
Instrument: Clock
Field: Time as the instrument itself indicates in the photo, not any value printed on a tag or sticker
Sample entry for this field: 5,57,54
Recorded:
5,27,54
